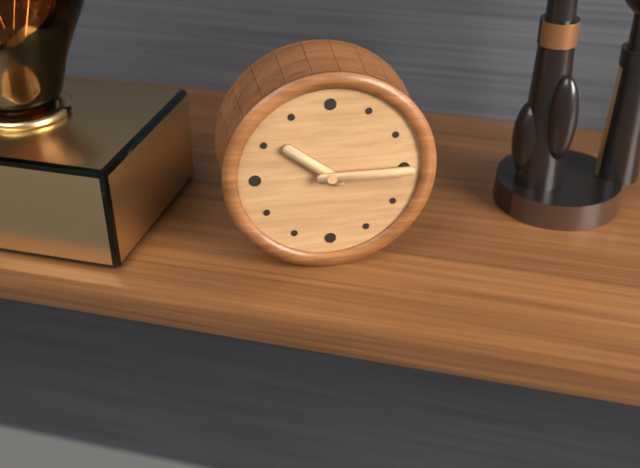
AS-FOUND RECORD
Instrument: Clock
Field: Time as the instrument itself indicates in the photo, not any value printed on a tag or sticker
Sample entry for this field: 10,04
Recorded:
10,15
